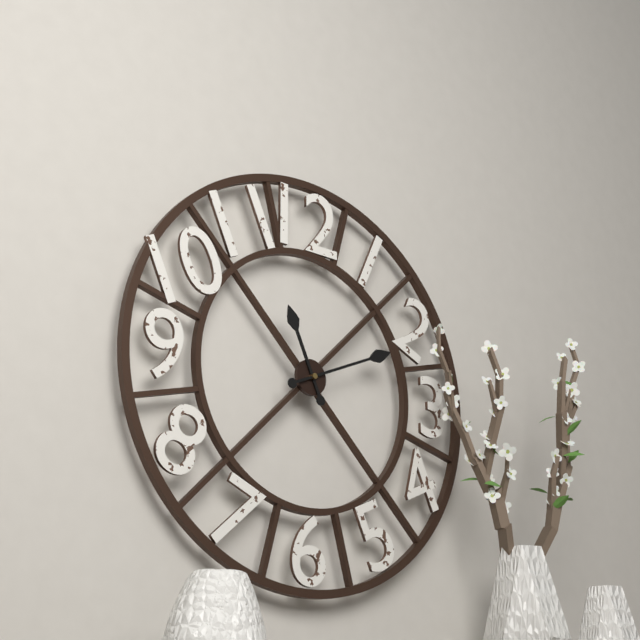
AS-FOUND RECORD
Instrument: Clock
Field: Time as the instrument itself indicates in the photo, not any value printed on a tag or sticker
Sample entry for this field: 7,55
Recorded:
11,11
